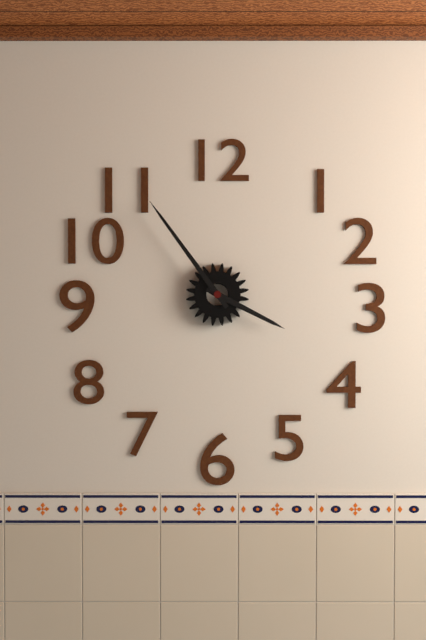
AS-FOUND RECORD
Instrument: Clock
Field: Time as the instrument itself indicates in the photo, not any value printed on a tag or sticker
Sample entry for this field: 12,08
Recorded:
3,54
